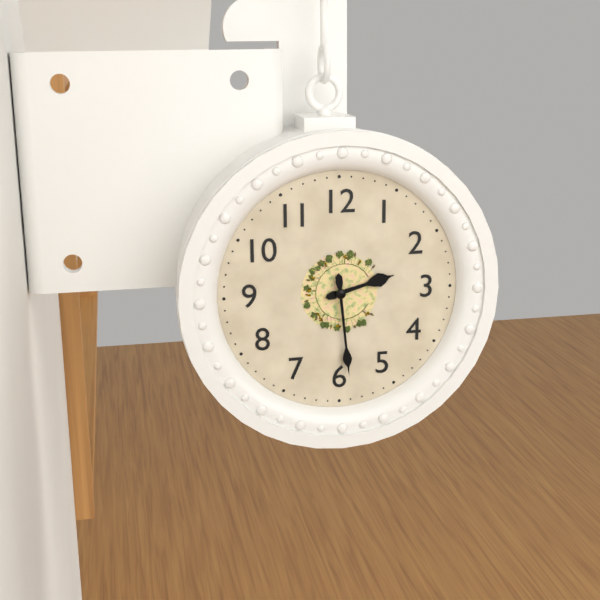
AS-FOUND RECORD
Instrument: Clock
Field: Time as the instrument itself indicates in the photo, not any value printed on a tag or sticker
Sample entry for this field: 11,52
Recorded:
2,29
